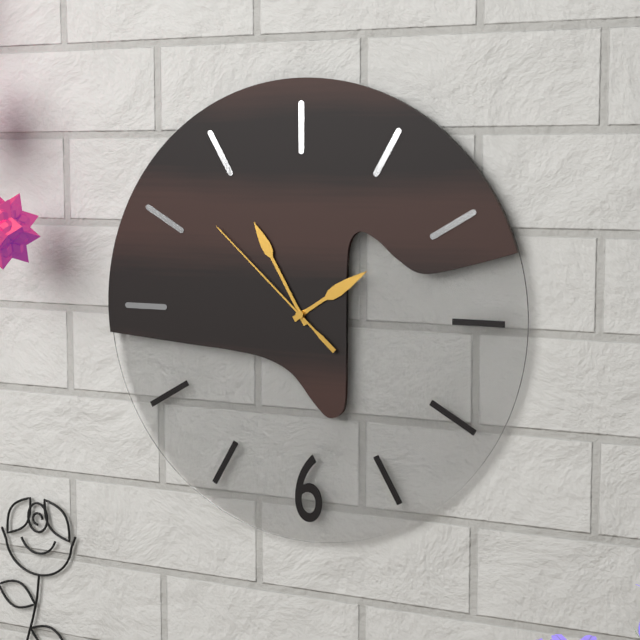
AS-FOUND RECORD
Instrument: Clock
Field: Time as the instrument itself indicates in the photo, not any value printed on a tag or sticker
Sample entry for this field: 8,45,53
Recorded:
1,55,52
